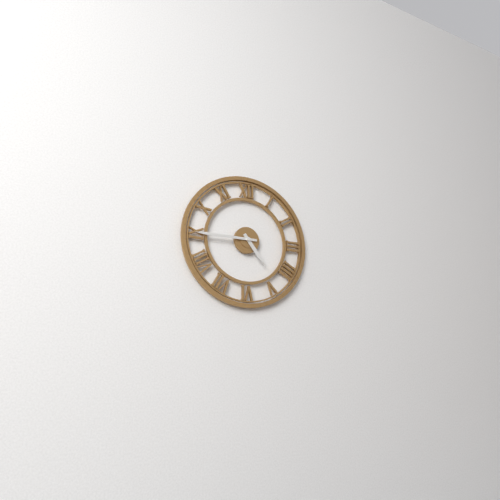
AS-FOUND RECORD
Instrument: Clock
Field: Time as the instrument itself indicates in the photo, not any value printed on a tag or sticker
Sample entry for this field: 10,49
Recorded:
4,45
